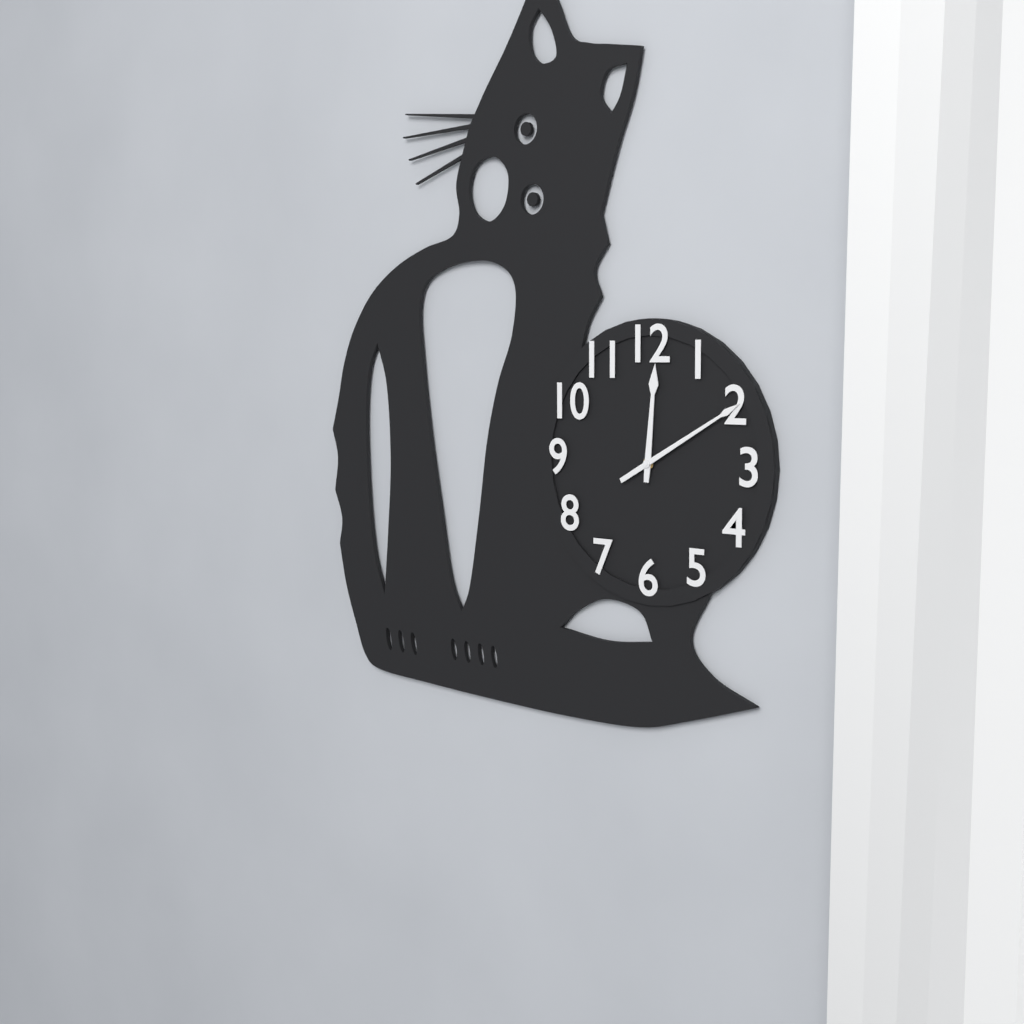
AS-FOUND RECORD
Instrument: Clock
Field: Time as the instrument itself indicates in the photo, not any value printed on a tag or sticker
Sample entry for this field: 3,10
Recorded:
12,10
